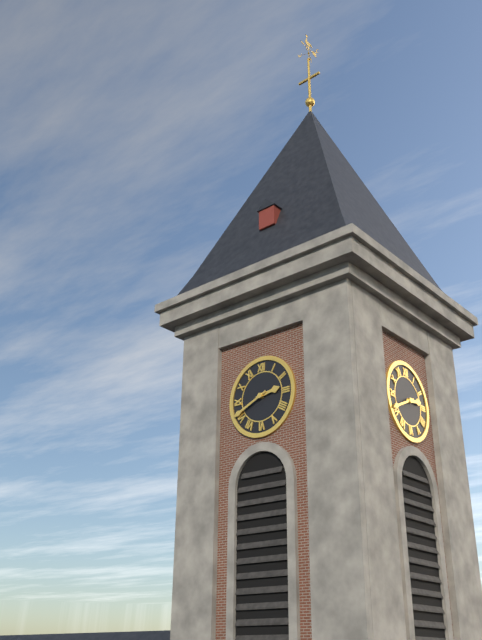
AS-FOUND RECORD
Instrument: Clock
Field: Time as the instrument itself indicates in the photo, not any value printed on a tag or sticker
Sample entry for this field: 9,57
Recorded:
2,41
